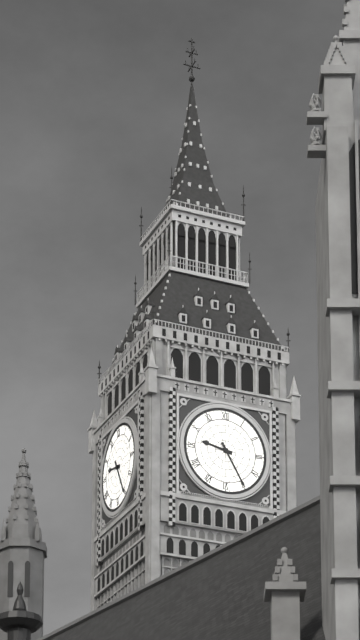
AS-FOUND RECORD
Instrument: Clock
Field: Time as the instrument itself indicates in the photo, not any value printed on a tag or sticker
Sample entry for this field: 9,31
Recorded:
9,25
